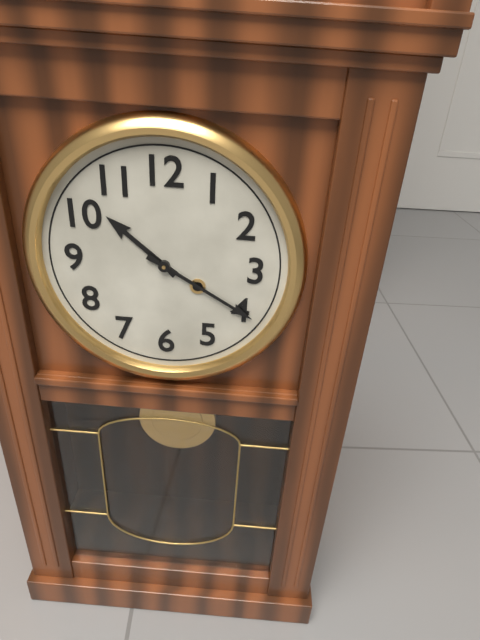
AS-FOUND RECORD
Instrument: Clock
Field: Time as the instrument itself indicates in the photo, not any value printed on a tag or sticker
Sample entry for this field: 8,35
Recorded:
10,20
